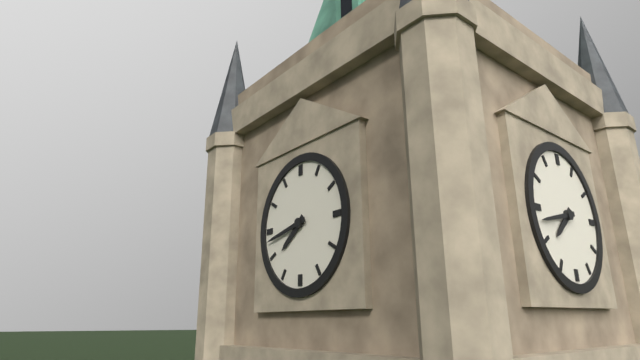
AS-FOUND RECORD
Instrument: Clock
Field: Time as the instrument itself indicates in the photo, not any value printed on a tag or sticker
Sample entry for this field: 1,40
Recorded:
7,43
